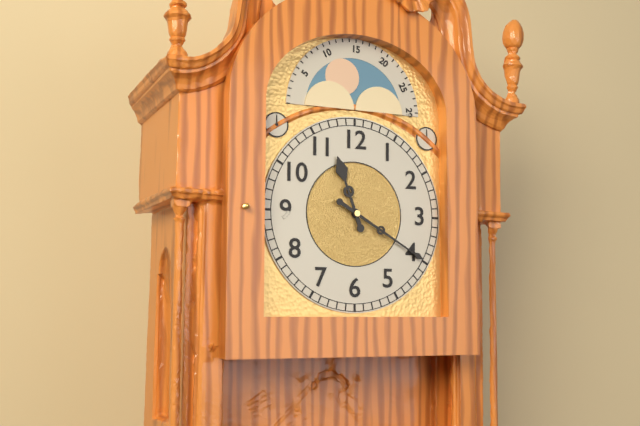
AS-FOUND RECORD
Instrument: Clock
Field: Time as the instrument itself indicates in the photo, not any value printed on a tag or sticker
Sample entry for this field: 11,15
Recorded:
11,20
